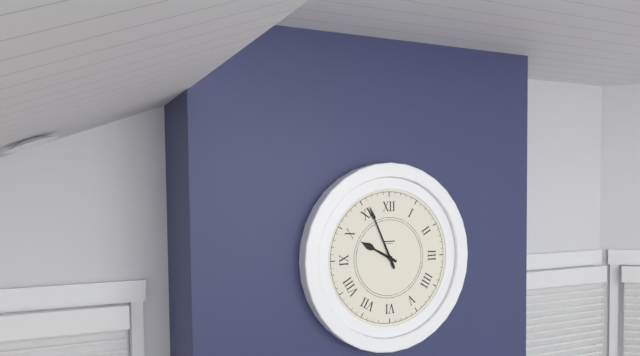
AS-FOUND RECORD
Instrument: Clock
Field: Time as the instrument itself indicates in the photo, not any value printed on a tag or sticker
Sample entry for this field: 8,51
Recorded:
9,56
